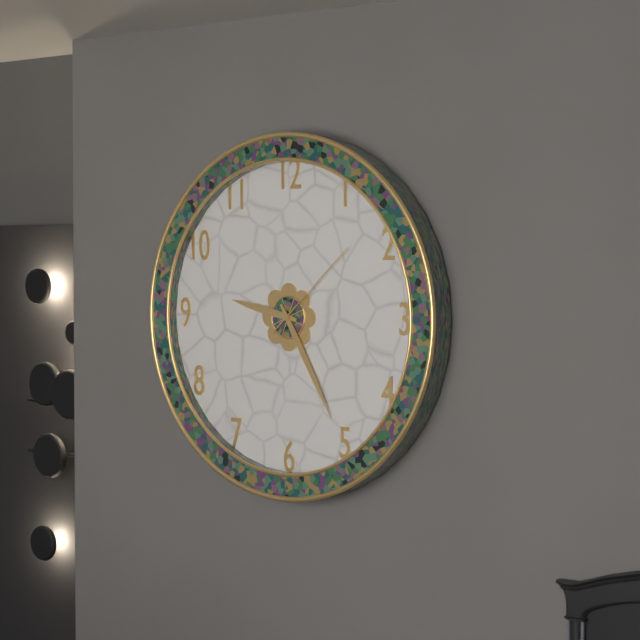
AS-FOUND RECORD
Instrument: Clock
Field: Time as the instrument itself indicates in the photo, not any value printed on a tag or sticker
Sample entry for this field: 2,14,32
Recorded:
9,25,08
